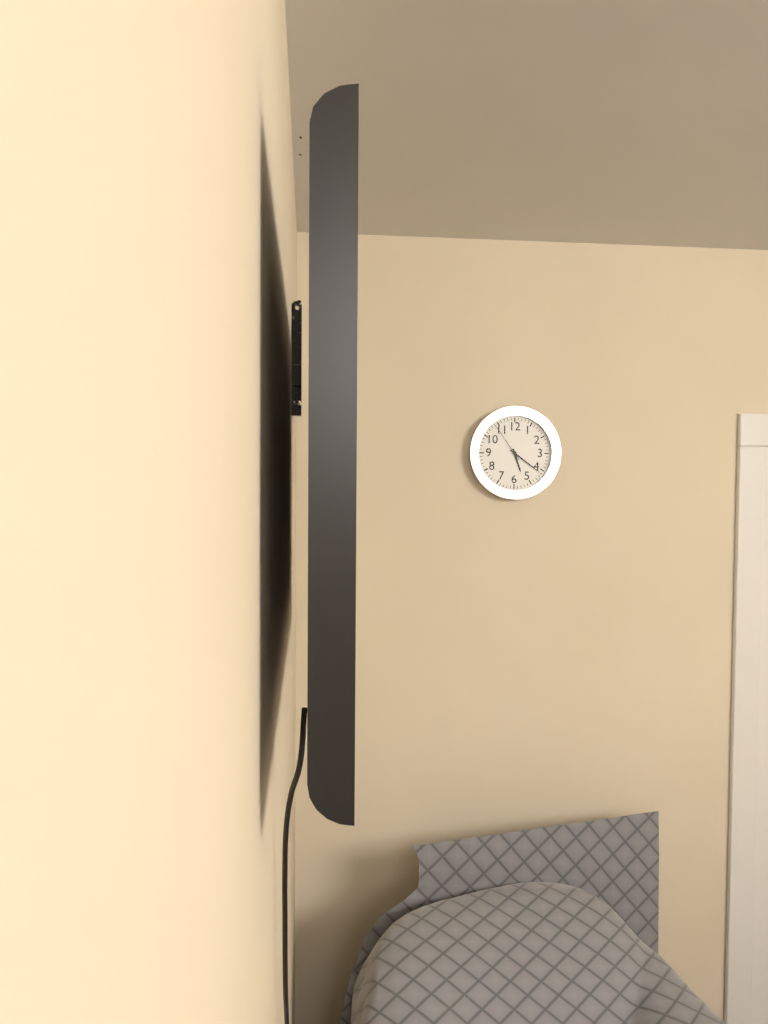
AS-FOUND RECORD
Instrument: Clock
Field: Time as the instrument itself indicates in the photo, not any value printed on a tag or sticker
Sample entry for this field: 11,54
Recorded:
5,21
